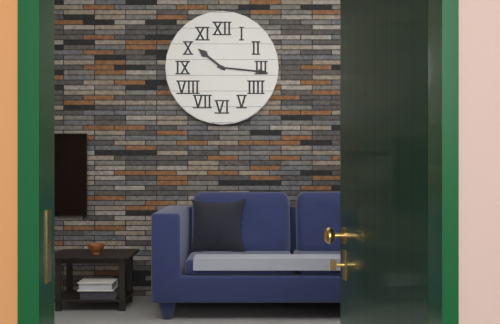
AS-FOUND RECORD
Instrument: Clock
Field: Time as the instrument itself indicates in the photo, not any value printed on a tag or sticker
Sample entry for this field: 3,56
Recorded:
10,16
